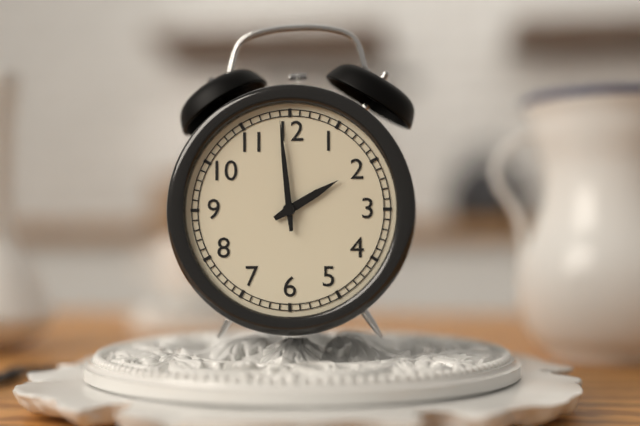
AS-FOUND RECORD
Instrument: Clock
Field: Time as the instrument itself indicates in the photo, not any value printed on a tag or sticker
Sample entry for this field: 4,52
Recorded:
1,59
